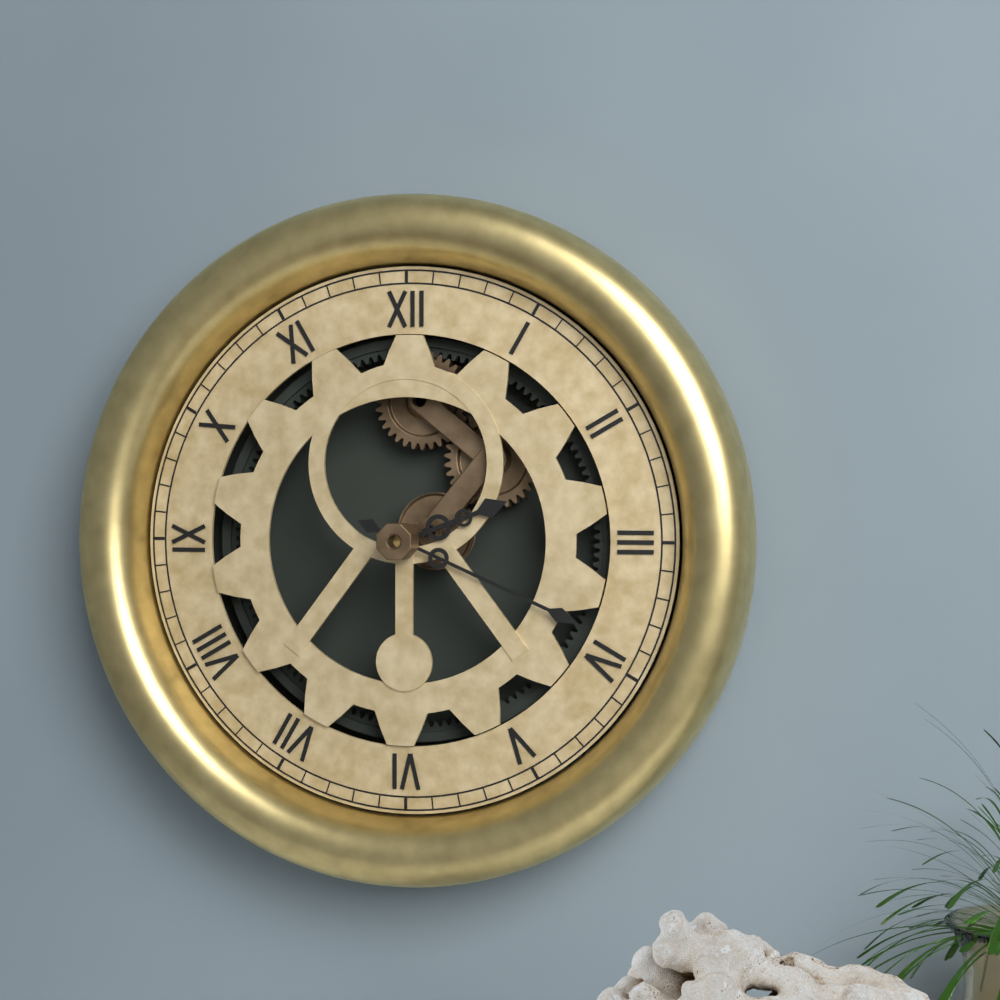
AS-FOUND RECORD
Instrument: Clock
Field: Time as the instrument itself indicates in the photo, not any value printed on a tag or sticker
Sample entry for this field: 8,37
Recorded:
2,19
